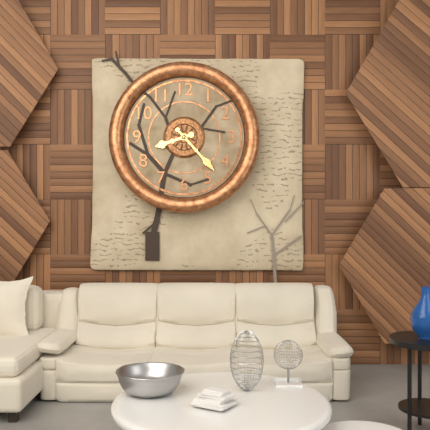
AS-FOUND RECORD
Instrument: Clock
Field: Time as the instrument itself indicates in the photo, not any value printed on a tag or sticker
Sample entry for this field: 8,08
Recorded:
8,23
